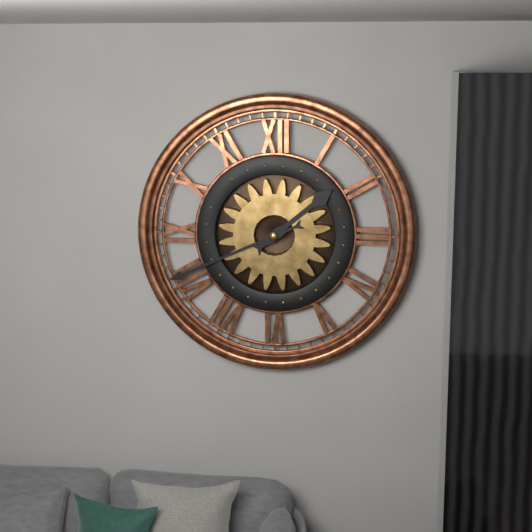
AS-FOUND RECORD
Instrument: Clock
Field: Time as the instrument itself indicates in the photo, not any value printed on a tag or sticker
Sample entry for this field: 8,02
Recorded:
1,41
